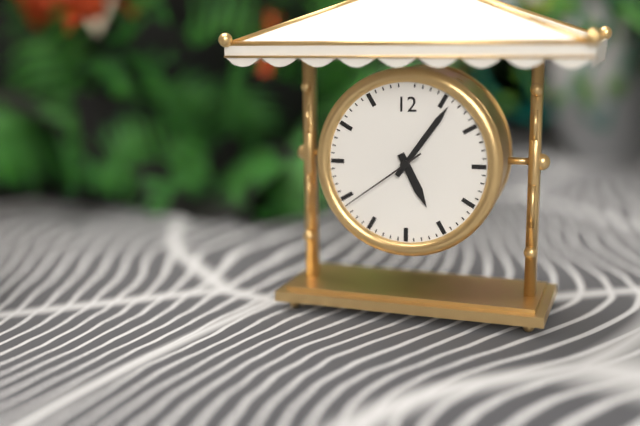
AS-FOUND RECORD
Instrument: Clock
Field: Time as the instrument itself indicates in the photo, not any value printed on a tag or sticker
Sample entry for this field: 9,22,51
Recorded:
5,06,39
